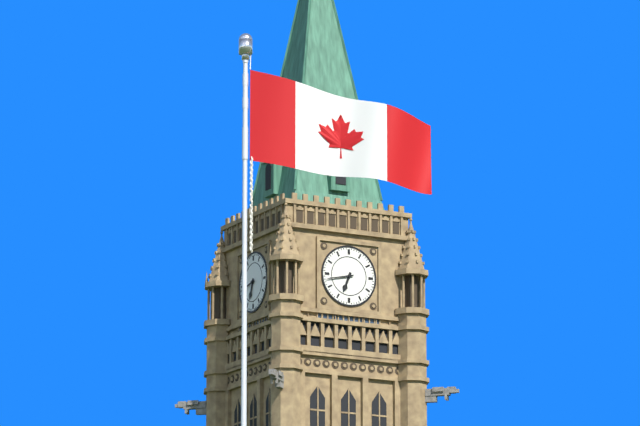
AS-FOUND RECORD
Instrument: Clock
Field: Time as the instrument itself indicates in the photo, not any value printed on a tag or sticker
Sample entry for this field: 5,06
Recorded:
6,43
